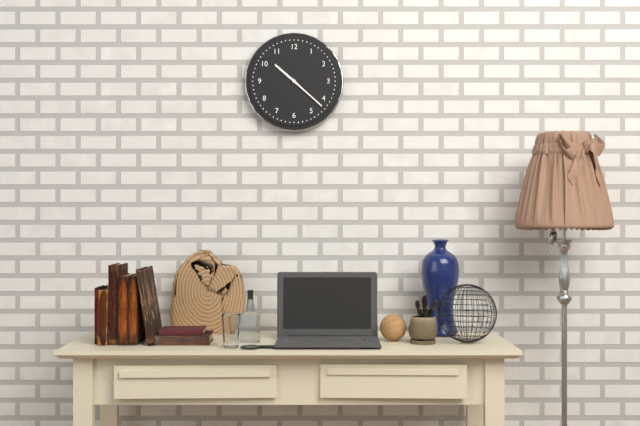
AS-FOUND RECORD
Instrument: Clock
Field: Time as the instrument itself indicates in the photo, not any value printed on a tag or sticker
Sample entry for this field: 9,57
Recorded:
10,22
